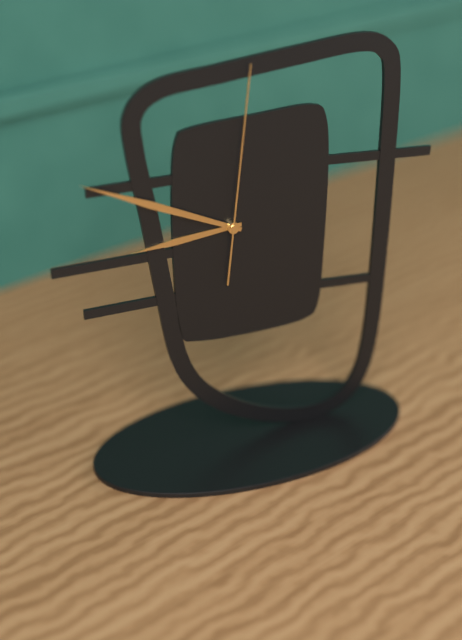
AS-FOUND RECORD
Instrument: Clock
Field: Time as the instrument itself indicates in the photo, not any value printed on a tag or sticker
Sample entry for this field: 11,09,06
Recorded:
8,49,01
